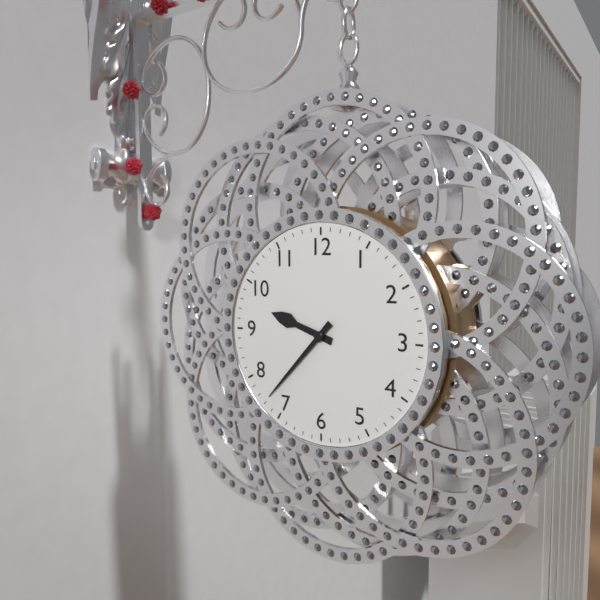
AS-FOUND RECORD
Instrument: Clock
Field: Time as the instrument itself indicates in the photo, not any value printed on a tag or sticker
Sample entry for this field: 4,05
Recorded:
9,37
